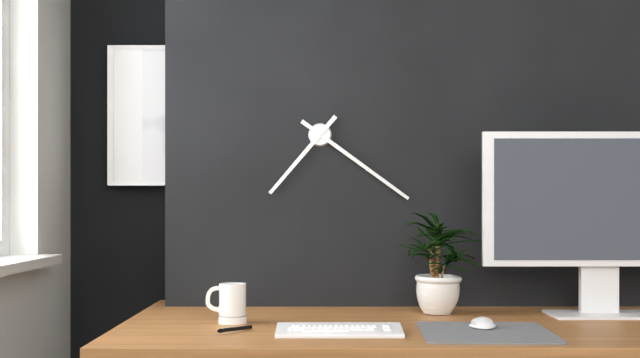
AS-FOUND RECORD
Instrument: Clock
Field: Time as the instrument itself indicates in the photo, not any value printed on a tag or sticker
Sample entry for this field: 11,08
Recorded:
7,21
